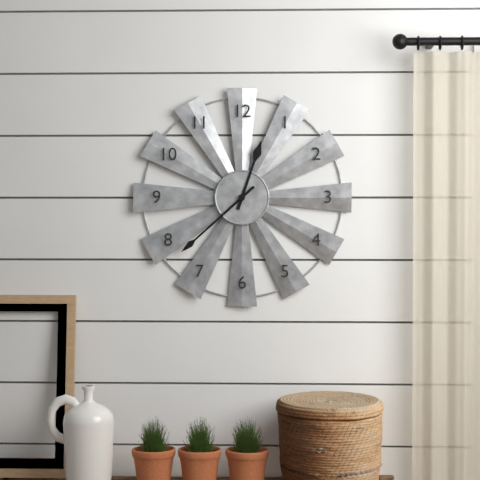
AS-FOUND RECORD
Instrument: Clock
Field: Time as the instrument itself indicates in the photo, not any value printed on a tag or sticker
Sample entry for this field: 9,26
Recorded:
12,38
